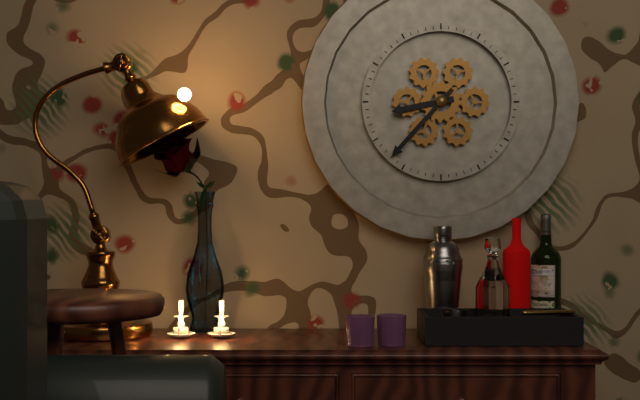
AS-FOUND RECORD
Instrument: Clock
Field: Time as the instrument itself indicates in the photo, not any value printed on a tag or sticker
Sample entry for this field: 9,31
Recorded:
8,37
